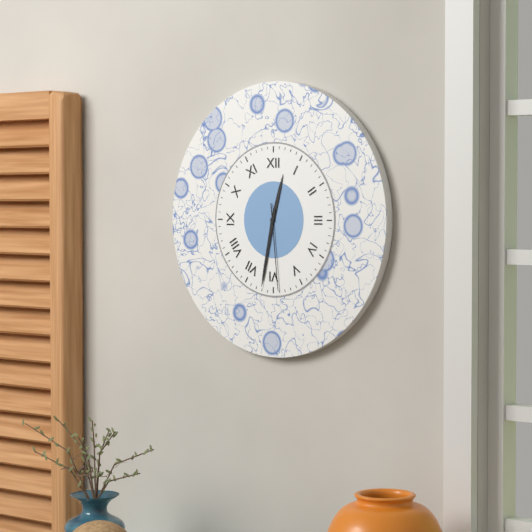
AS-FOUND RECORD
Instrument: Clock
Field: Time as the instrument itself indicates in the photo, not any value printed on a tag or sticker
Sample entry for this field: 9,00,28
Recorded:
12,32,29
